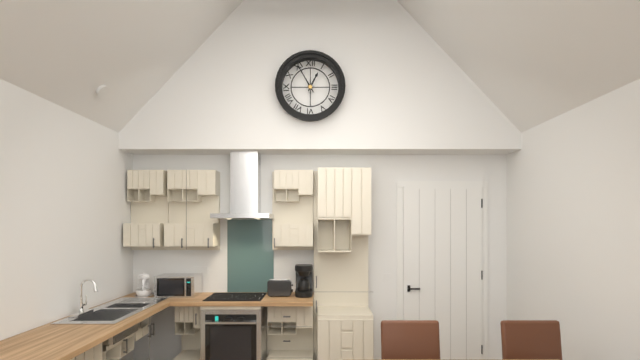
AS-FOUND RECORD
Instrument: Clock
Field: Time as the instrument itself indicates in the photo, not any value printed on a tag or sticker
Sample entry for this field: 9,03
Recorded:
12,55
